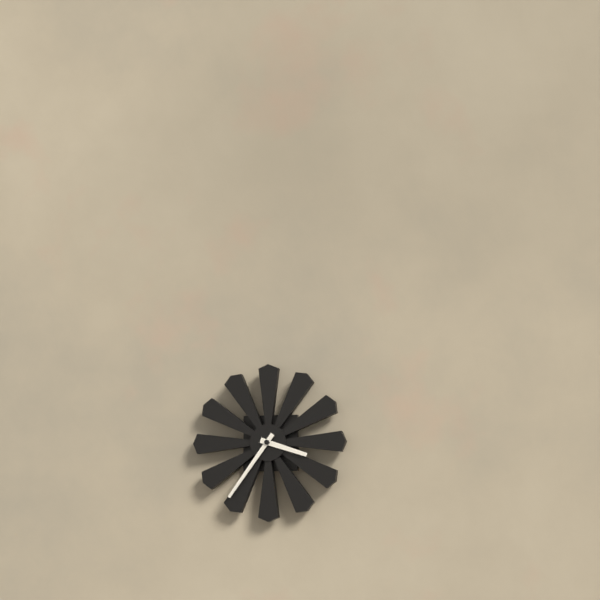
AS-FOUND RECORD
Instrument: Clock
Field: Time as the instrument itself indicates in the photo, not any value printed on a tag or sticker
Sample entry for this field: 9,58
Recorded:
3,36
